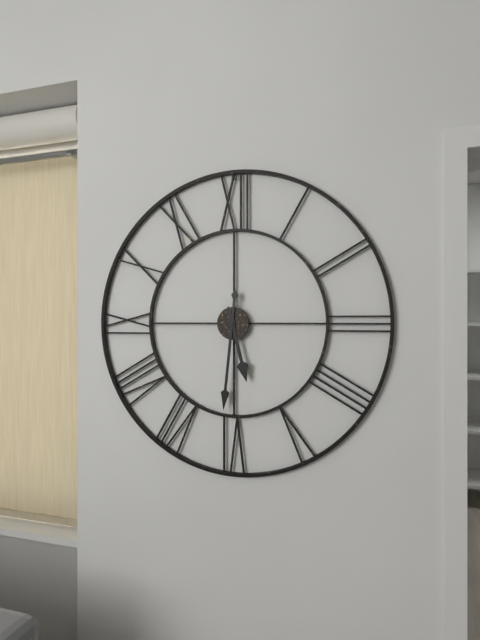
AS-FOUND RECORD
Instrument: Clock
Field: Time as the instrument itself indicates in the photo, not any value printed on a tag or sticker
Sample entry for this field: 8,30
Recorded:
5,31
